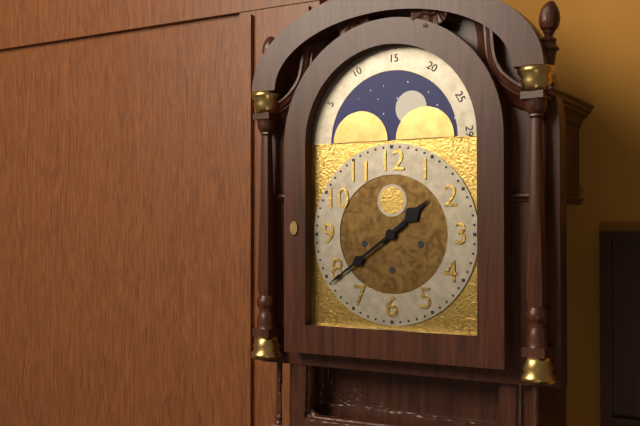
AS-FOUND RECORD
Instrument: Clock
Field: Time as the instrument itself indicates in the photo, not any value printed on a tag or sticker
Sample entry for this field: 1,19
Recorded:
1,39
